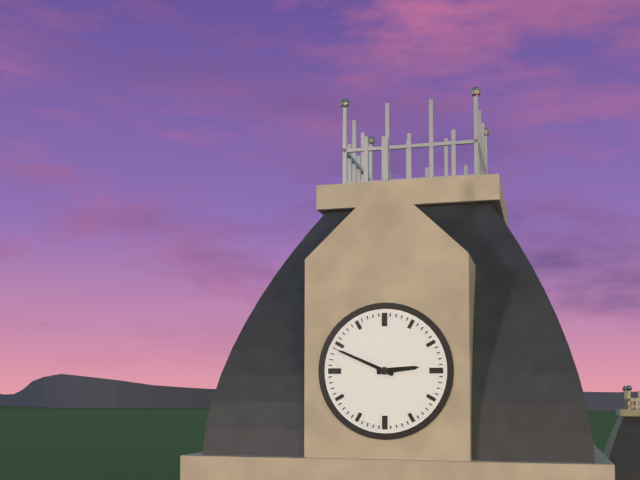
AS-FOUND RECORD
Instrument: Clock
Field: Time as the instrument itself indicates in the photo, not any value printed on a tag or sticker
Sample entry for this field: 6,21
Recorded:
2,49
